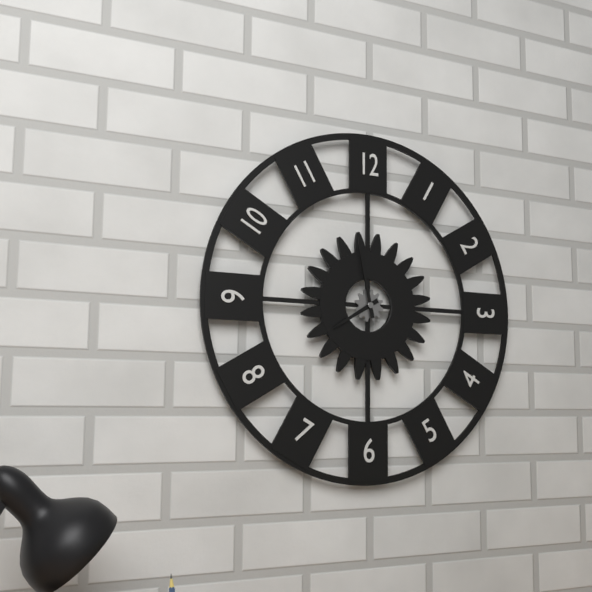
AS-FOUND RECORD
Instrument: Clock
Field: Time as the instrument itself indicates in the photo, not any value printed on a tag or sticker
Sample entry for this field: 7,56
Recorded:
7,58
